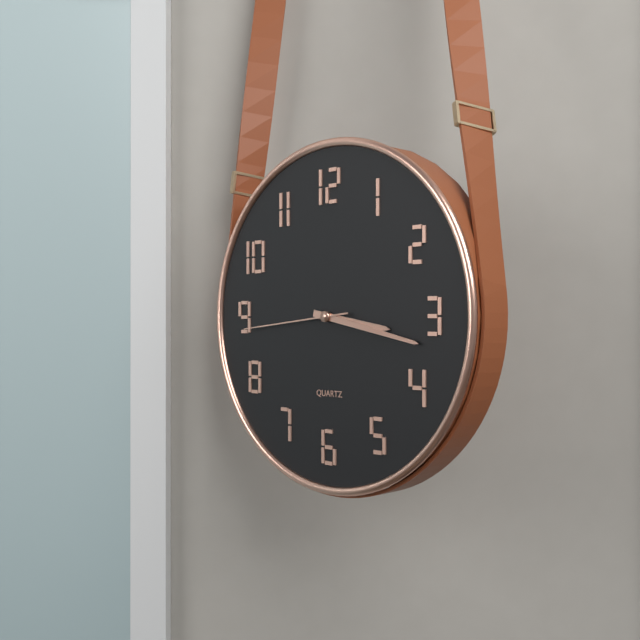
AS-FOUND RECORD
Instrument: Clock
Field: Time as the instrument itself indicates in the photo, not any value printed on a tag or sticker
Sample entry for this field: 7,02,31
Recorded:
3,17,44
